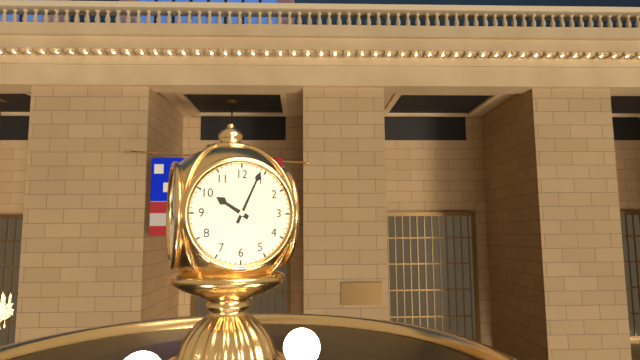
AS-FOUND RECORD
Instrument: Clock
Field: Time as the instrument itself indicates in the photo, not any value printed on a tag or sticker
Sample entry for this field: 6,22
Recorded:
10,04
